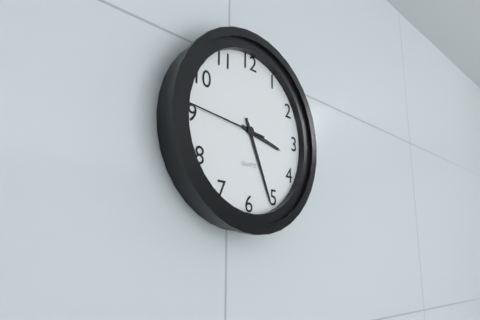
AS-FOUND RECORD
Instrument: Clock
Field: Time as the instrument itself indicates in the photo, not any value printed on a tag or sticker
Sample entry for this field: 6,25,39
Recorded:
3,26,46
